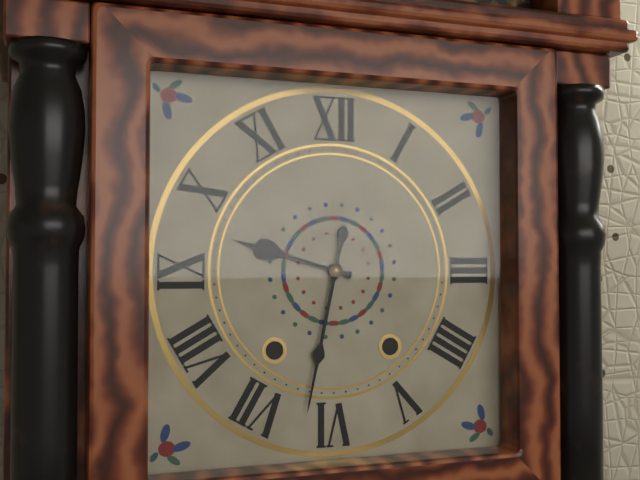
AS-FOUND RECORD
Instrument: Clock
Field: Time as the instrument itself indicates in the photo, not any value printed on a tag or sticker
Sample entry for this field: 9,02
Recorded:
9,32
